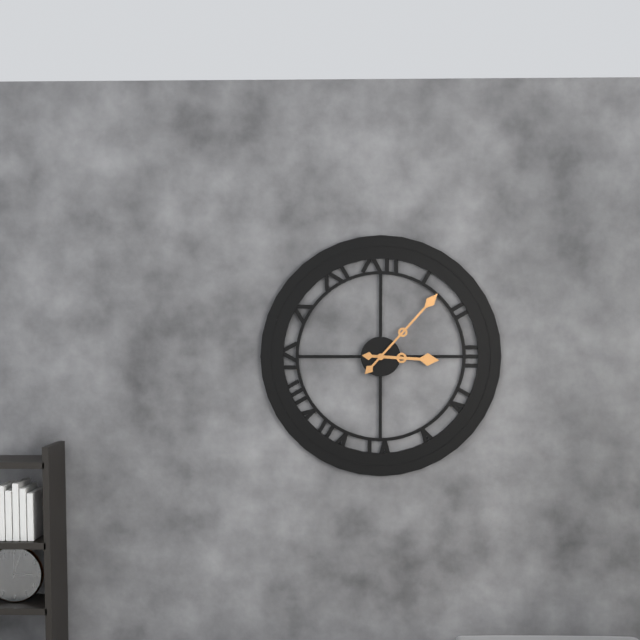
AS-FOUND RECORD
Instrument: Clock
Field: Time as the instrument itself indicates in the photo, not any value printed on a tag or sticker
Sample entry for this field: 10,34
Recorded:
3,07
